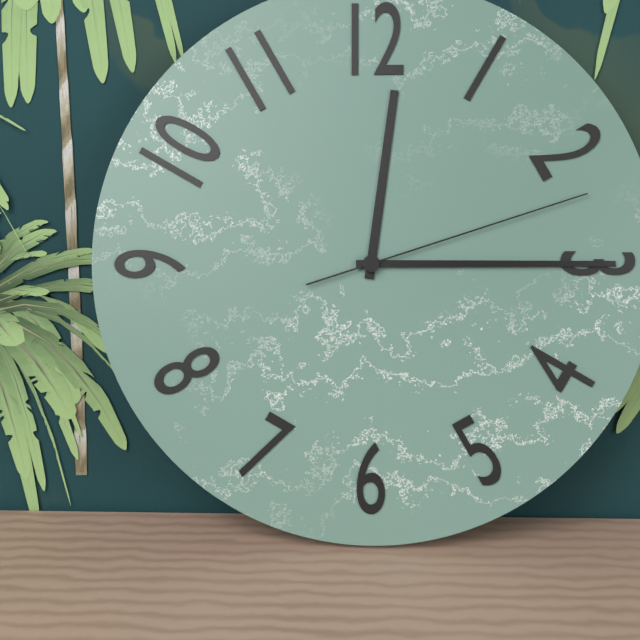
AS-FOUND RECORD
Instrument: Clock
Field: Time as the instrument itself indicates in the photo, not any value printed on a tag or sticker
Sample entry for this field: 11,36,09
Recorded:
12,15,12
